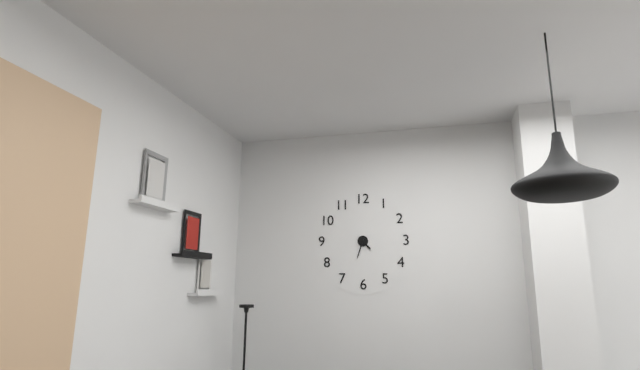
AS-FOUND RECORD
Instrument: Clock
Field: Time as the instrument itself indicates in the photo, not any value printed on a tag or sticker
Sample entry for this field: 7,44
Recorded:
4,33
